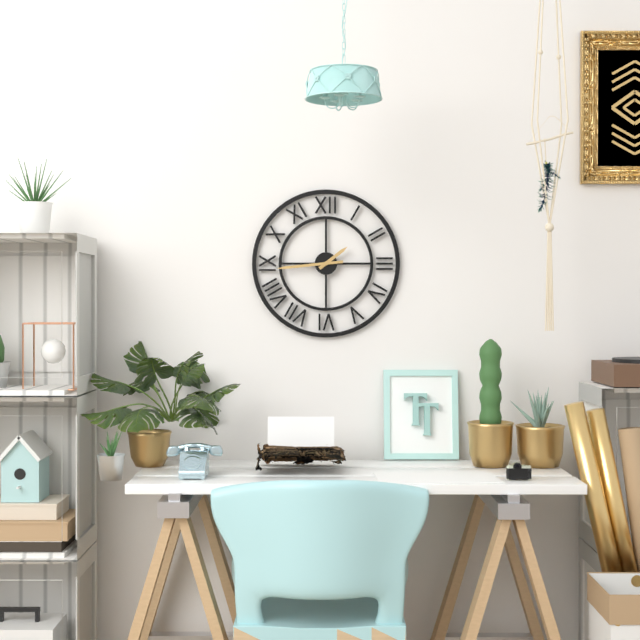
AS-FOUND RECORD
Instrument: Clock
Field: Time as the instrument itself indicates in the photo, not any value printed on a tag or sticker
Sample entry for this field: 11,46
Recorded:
1,44
